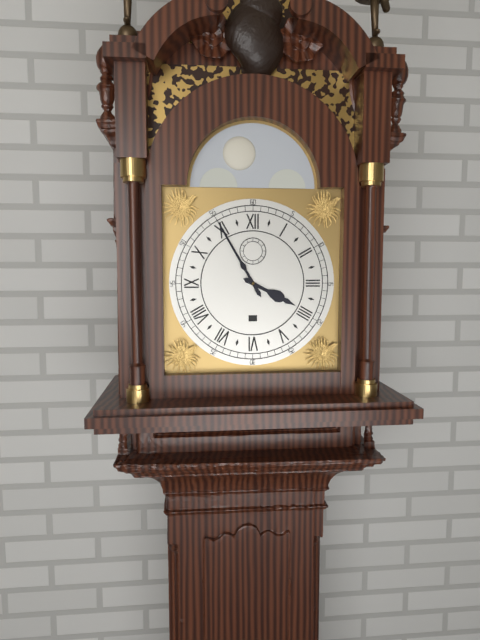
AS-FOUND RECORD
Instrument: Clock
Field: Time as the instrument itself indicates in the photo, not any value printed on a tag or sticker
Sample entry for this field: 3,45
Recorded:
3,55
